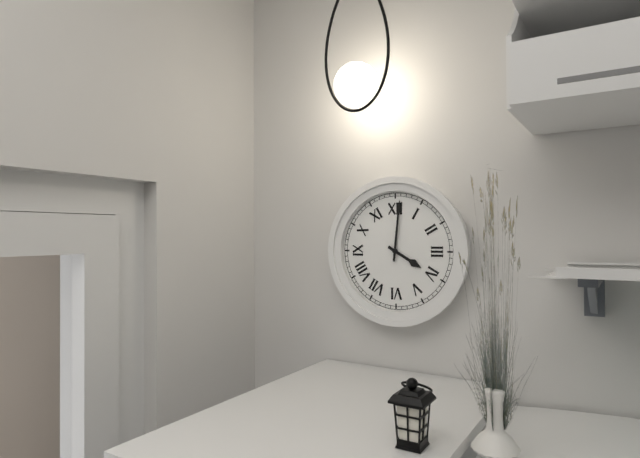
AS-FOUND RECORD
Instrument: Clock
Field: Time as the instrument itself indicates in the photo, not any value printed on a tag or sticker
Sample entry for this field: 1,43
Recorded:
4,01
